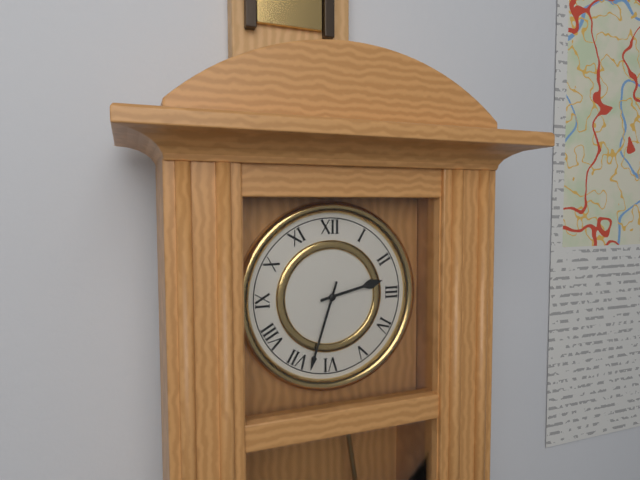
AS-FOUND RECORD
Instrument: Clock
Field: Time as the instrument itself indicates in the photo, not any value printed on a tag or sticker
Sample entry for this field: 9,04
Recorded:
2,33
